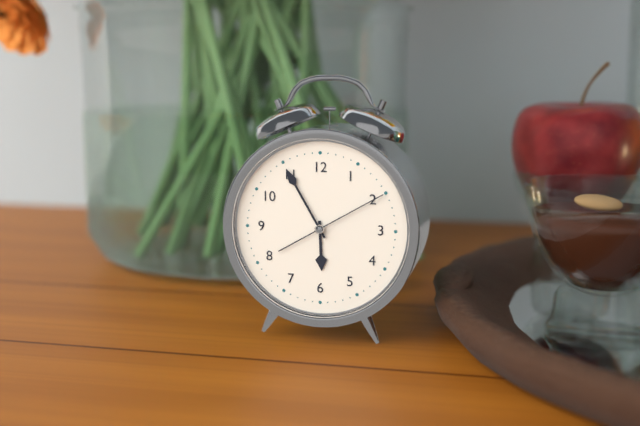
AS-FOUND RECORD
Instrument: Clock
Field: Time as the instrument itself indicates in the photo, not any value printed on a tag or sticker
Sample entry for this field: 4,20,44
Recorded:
5,55,10
